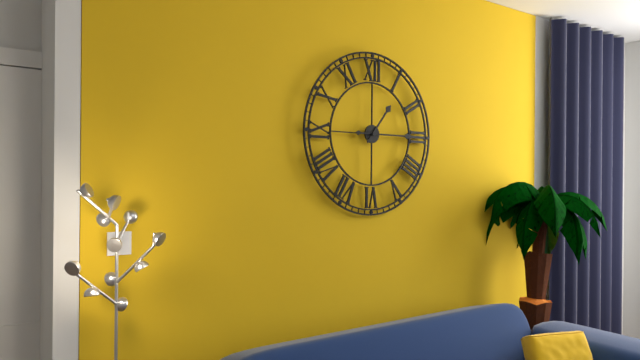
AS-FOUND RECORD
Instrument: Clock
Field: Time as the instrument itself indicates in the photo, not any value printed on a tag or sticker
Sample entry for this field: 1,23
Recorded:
1,15
